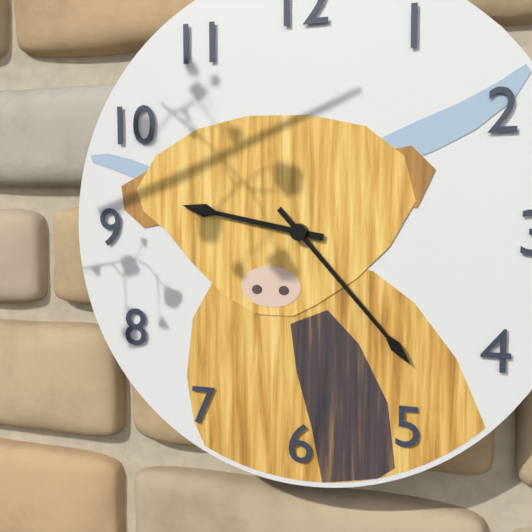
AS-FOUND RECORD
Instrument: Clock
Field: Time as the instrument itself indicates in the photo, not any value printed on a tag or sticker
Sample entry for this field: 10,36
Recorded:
9,23
